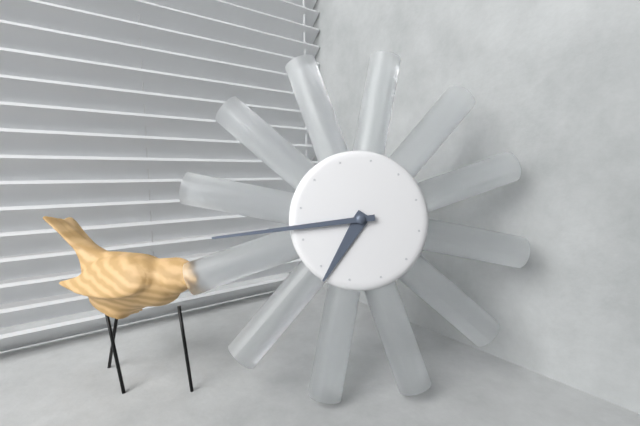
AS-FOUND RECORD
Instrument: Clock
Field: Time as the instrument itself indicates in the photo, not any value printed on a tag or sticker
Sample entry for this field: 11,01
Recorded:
6,42
